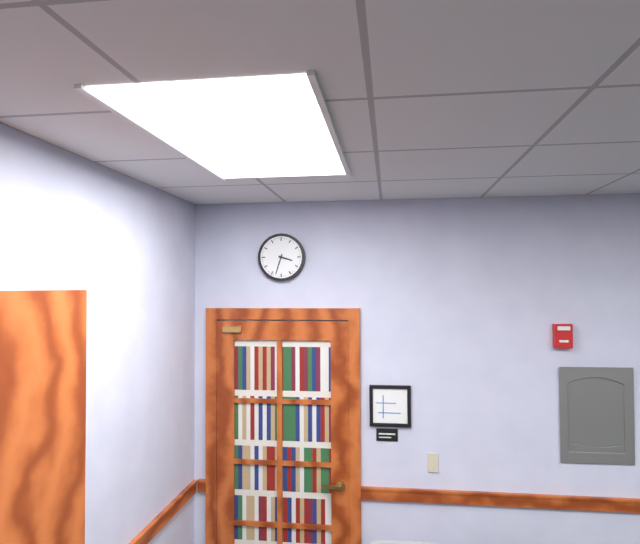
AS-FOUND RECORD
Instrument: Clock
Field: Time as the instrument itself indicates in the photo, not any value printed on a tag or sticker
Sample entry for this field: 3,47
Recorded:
3,33
